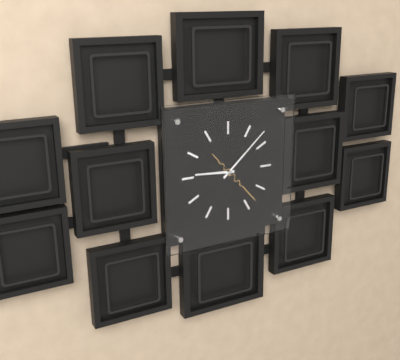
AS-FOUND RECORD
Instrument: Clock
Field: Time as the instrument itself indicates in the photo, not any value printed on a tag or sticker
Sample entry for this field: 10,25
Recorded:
9,08
